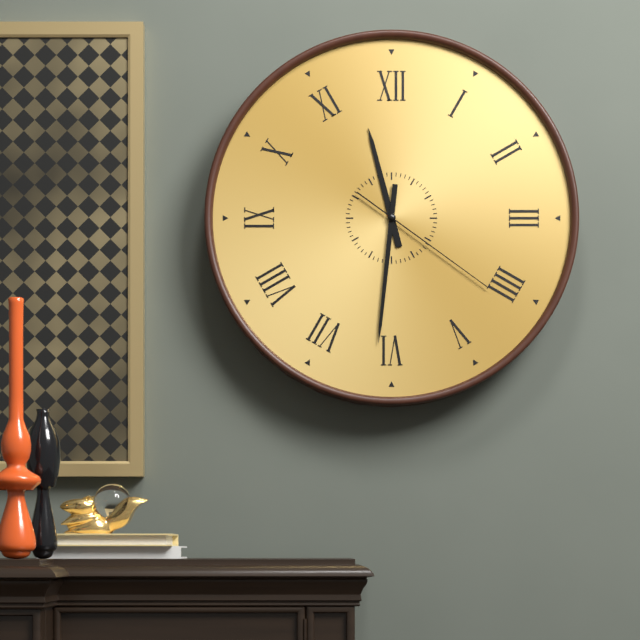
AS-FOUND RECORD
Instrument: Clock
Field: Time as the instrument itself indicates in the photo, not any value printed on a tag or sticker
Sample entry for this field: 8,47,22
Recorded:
11,31,21
